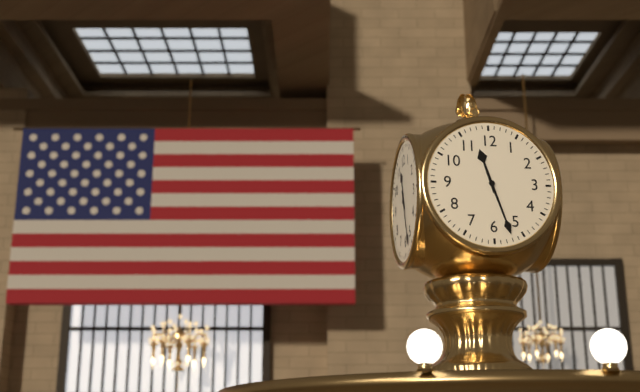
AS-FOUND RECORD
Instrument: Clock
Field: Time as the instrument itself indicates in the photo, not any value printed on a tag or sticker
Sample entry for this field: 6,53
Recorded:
11,27
